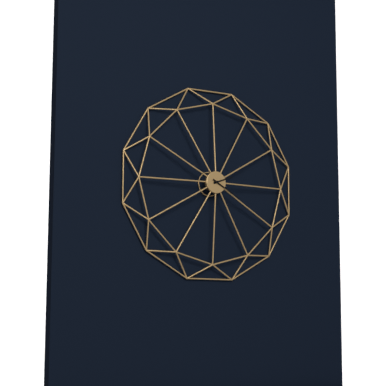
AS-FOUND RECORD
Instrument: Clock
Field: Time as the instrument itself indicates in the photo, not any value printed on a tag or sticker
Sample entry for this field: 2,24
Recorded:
2,20
